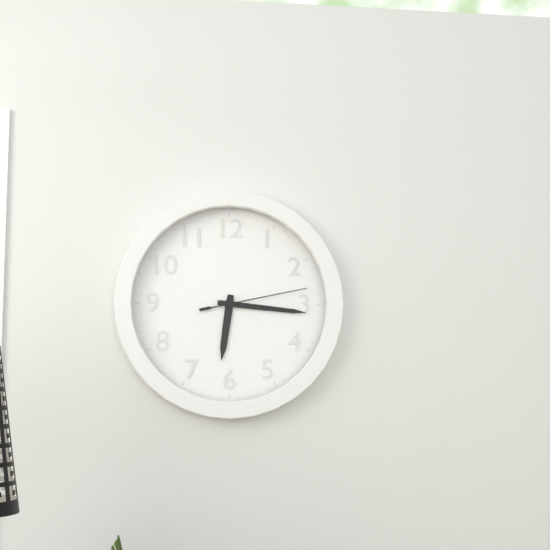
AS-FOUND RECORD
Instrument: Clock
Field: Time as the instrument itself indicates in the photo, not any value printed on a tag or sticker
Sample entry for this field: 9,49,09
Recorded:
6,16,13
